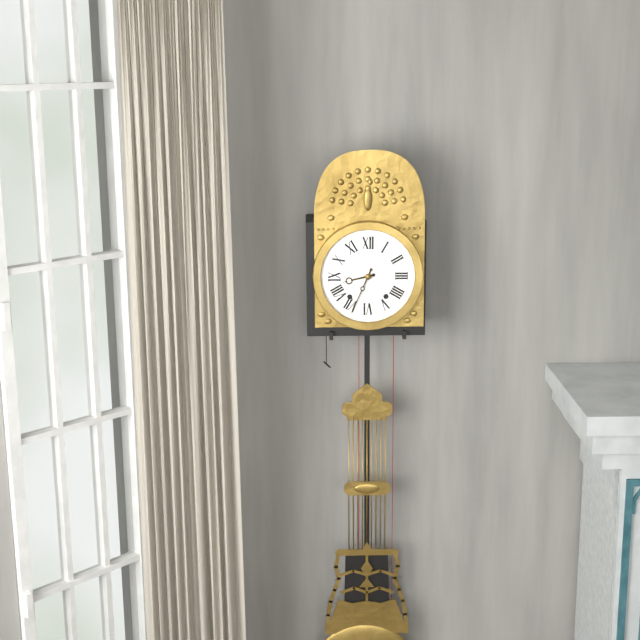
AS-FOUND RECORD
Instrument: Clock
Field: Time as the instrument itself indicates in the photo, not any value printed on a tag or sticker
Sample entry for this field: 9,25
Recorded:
8,34
